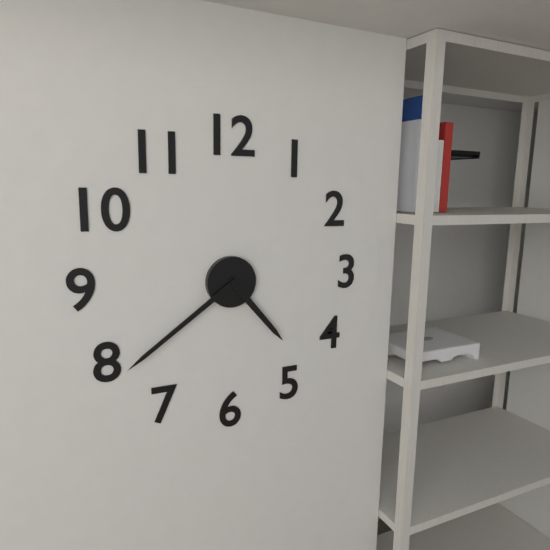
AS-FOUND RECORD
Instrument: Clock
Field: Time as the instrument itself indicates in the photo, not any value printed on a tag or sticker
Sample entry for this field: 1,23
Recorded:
4,39
